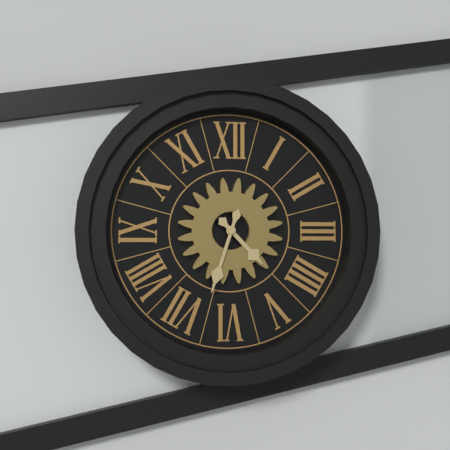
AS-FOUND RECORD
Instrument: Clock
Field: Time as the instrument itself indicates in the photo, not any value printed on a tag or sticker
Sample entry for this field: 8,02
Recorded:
4,33
